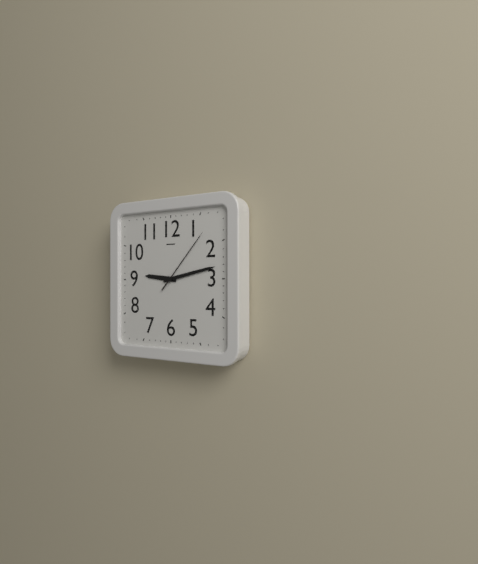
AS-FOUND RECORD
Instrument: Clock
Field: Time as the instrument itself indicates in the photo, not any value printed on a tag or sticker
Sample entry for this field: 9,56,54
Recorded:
9,13,07
